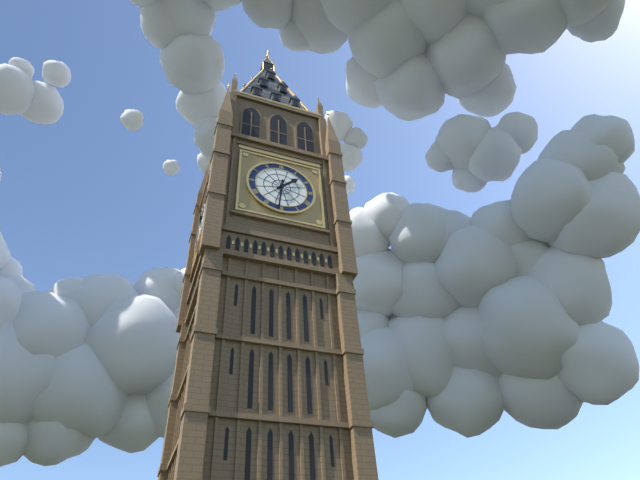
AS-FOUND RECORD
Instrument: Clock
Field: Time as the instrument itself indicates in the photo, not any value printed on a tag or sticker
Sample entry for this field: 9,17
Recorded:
1,31
